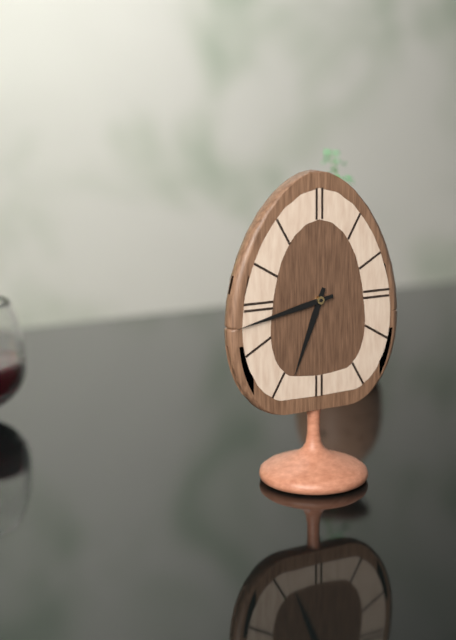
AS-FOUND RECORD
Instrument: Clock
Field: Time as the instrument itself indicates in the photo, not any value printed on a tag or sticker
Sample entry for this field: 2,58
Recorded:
6,43
